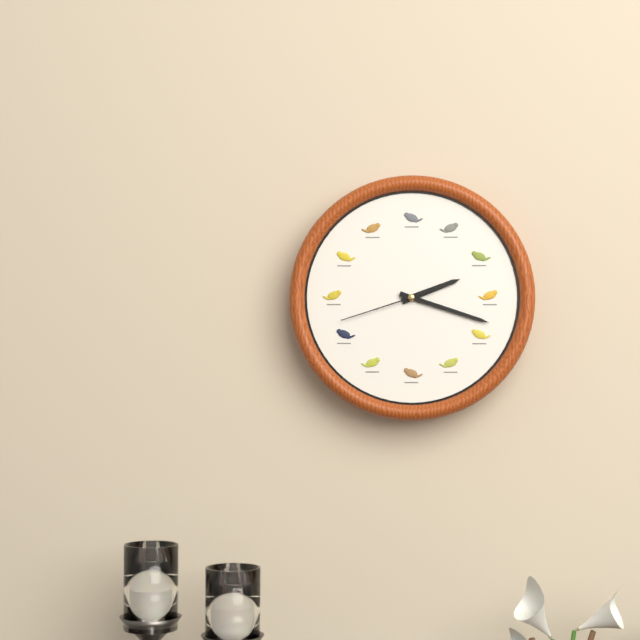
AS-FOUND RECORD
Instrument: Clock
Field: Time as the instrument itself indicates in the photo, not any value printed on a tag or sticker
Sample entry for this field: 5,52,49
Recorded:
2,18,42
